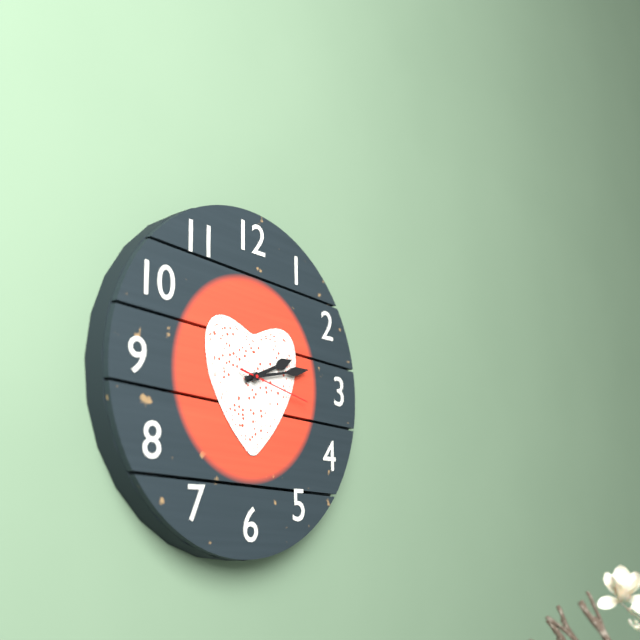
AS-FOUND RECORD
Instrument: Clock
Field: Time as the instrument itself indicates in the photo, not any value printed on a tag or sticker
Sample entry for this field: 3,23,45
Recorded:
2,13,17
